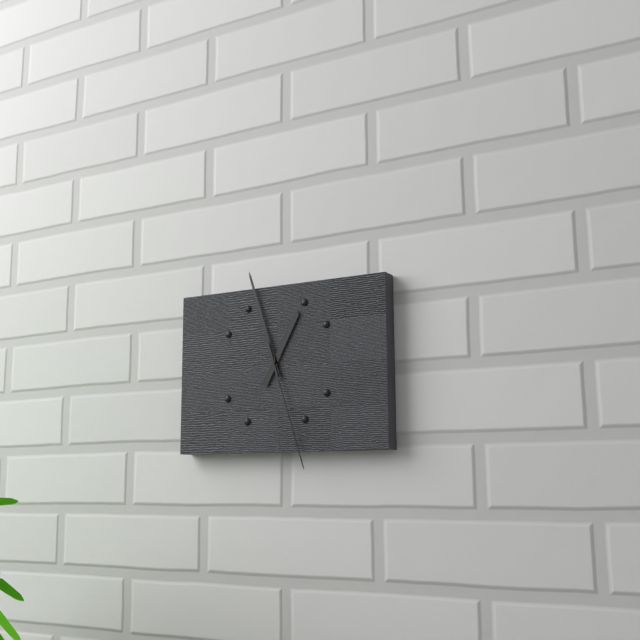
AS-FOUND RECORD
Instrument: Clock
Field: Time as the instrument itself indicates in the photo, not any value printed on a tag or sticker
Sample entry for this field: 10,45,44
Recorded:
12,57,27
